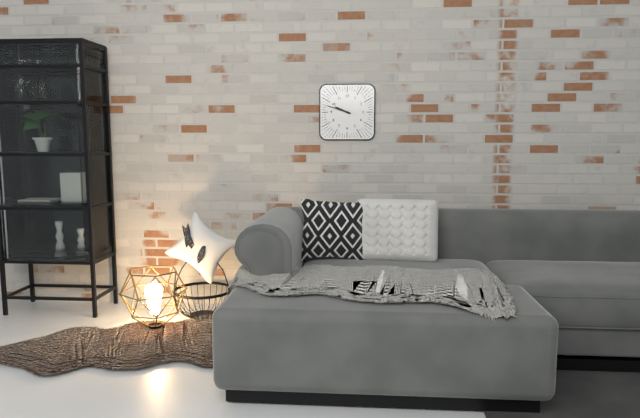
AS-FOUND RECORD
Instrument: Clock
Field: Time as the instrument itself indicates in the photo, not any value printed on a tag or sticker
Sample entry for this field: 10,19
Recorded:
9,48
